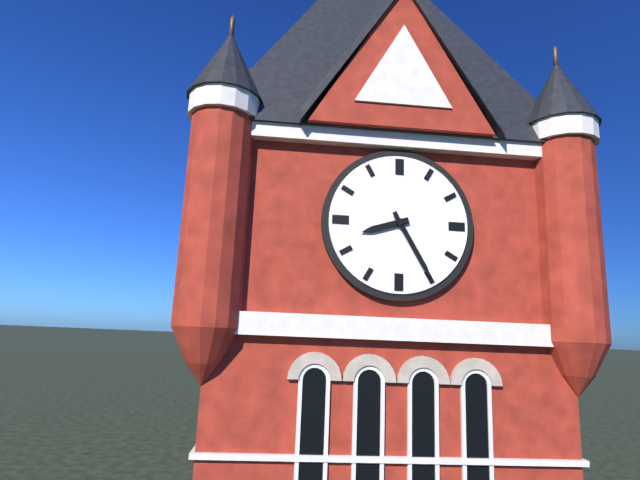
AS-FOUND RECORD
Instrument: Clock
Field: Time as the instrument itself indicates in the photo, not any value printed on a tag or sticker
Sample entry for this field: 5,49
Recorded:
8,25
